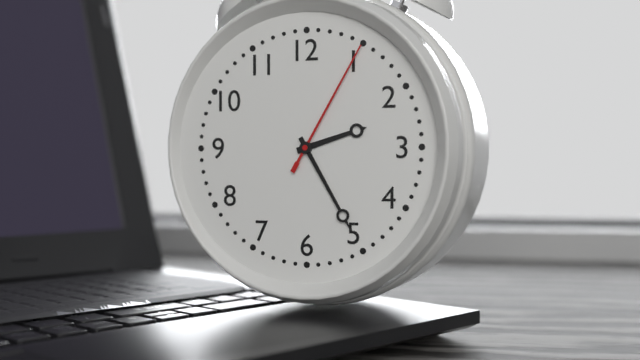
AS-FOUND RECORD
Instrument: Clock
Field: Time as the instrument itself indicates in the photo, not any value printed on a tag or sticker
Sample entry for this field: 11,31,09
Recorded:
2,25,05
